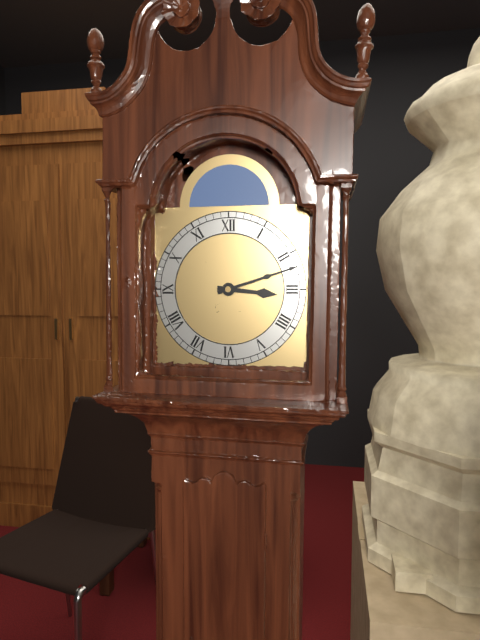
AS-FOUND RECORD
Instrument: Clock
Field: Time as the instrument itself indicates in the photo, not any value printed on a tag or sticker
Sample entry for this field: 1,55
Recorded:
3,12
